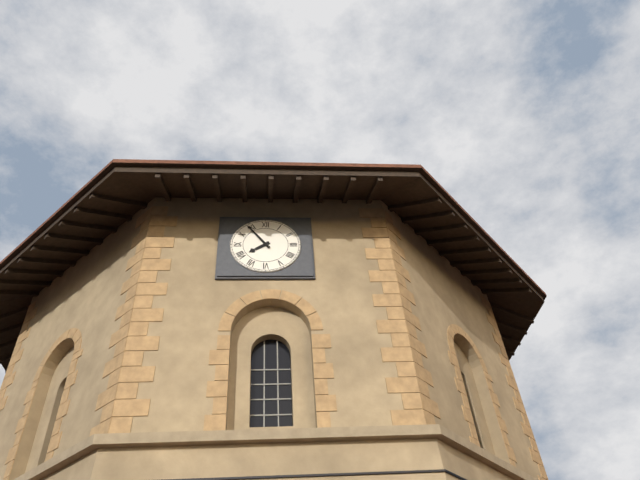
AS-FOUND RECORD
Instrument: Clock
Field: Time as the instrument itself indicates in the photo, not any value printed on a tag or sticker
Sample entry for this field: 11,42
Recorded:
7,54
